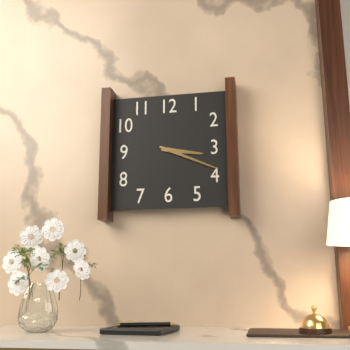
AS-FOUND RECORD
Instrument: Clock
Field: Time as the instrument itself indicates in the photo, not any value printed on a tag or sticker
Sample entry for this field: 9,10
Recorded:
3,19
